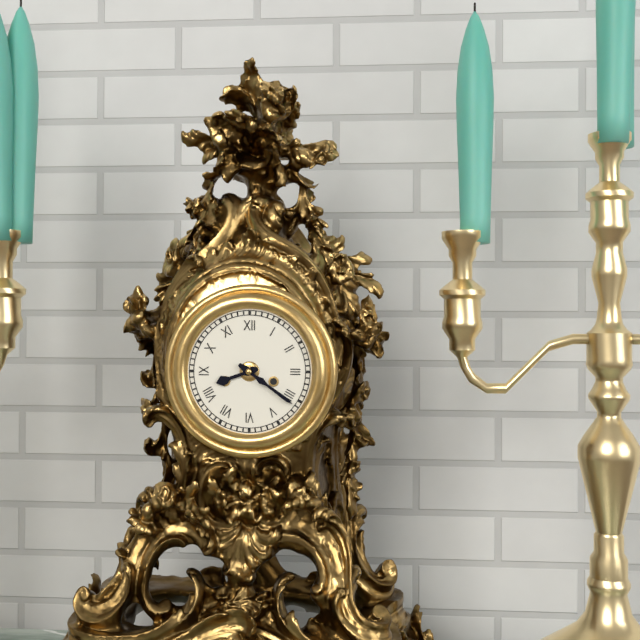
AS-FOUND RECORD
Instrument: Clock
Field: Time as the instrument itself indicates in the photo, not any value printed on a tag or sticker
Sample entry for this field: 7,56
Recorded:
8,21
